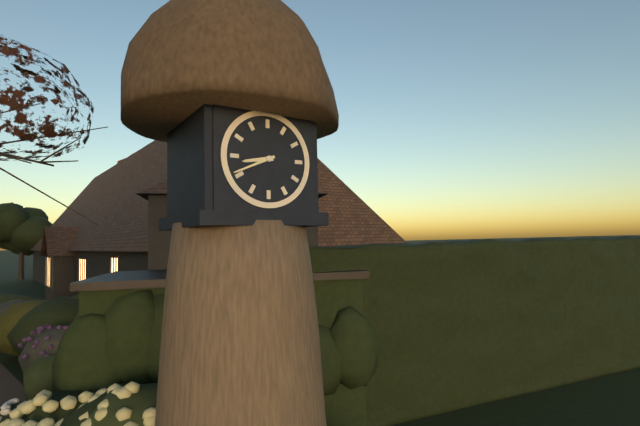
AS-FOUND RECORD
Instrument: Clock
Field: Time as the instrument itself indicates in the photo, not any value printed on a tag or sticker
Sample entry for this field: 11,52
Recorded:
8,41
